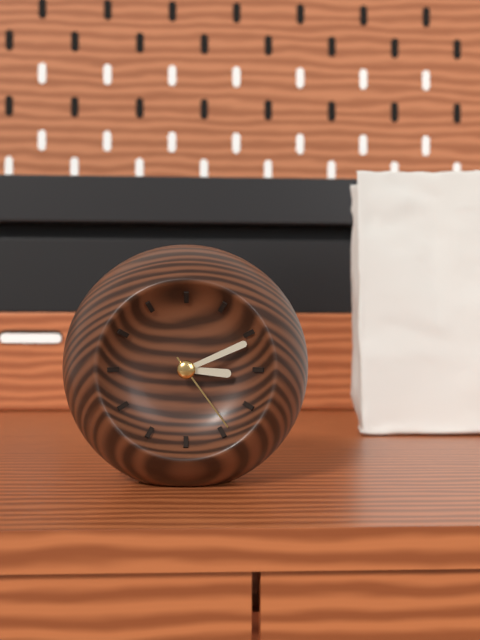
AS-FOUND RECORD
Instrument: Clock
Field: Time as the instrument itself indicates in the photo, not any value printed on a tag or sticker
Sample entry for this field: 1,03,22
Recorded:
3,11,24
